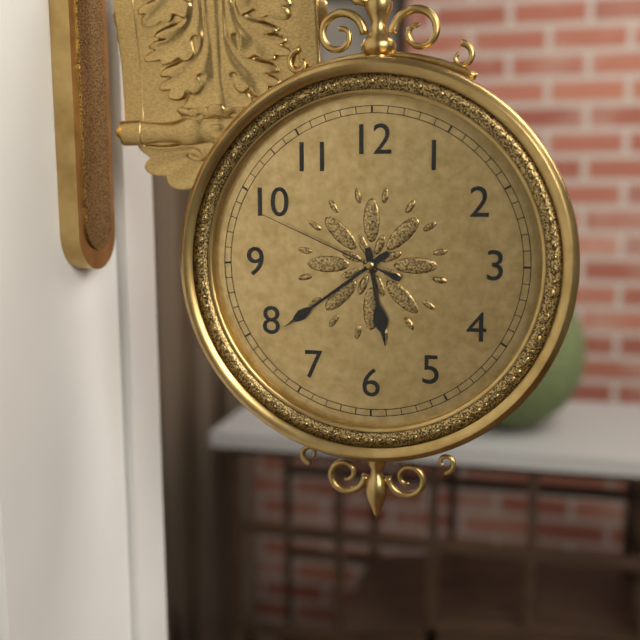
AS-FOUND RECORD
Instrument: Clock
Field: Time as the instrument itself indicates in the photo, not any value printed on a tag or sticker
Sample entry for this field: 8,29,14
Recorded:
5,39,49
